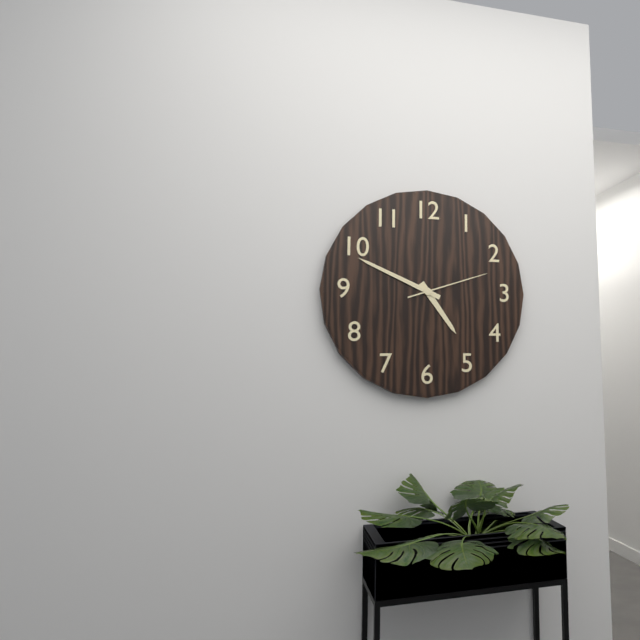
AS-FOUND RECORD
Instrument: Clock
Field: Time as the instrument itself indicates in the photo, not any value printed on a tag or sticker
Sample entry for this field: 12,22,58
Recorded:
4,49,12
